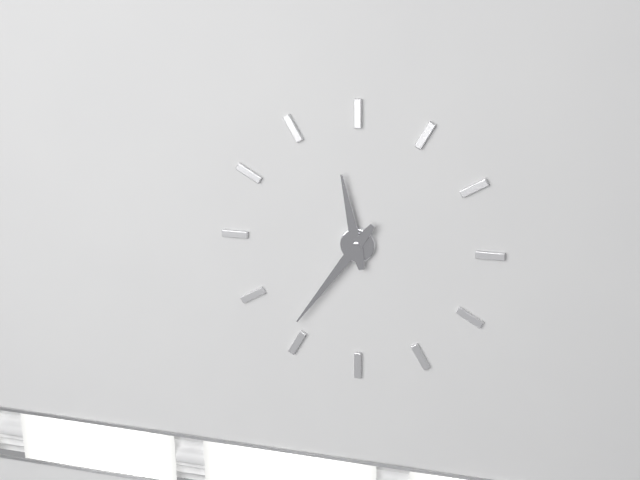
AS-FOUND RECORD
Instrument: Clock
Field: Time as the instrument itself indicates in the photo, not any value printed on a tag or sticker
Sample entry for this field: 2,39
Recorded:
11,36
